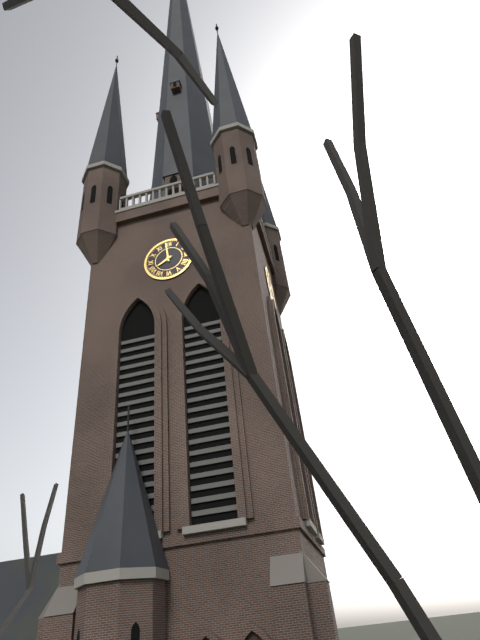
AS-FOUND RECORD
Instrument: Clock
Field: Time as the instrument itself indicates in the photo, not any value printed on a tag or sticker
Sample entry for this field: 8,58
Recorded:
7,59
